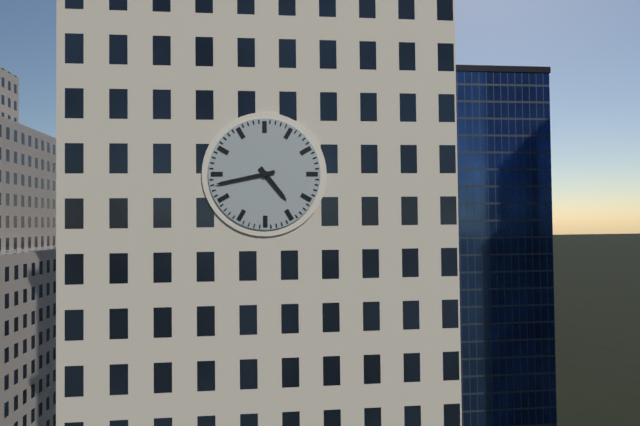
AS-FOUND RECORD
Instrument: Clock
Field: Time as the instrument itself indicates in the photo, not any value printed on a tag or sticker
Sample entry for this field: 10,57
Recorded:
4,43
